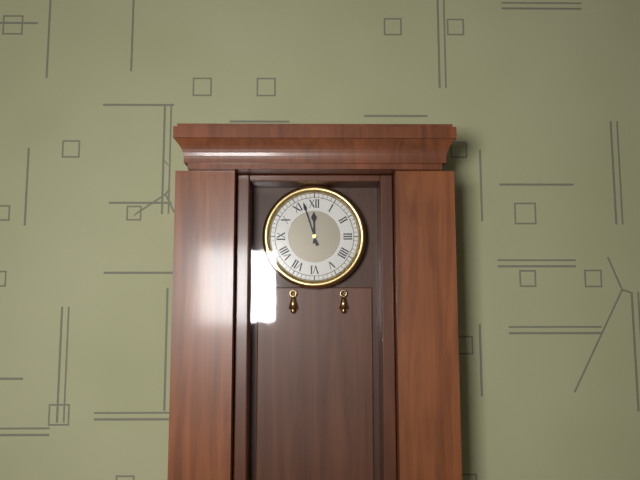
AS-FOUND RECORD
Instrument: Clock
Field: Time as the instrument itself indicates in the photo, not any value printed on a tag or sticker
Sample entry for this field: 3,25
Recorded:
11,57
